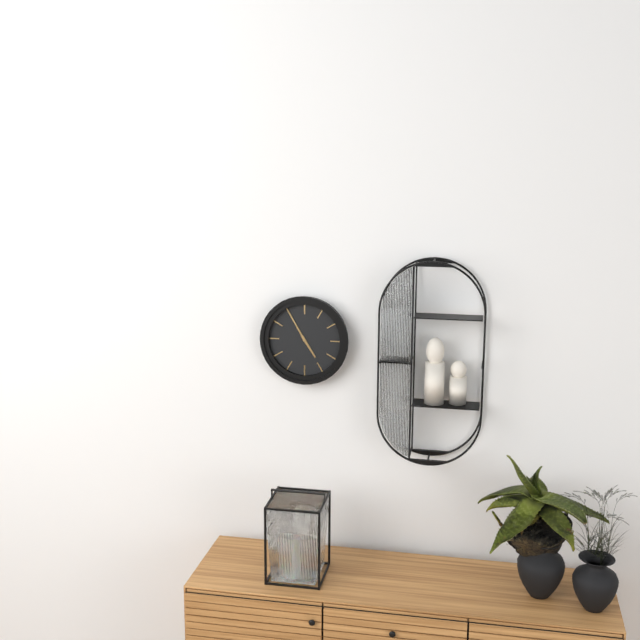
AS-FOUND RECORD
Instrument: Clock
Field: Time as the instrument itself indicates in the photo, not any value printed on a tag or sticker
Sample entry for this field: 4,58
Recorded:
4,55
